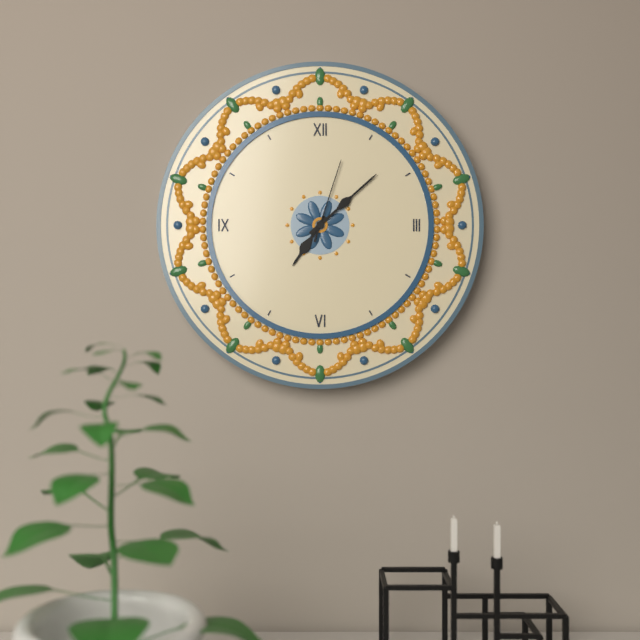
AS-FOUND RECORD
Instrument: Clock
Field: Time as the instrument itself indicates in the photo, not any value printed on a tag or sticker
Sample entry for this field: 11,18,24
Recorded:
7,08,03
